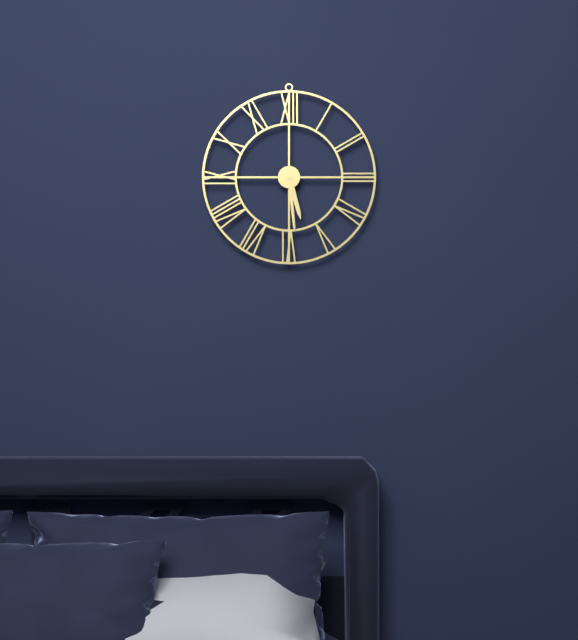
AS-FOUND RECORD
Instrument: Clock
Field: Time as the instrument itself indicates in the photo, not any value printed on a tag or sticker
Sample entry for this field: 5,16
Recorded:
5,29
